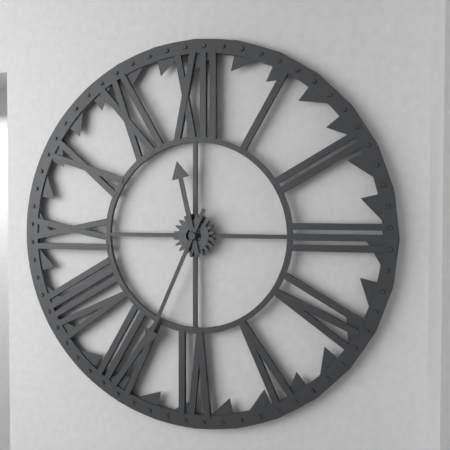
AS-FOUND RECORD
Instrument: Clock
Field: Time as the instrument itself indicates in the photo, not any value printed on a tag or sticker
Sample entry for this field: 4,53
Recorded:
11,34
